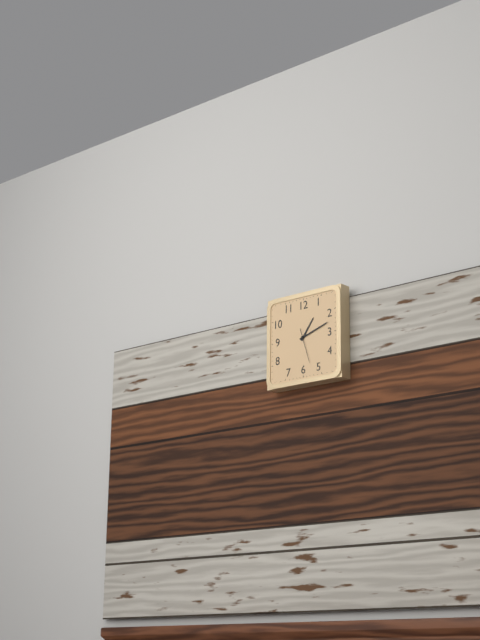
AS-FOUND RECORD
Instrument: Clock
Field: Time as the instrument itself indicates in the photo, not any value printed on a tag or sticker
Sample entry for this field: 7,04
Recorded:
1,12
